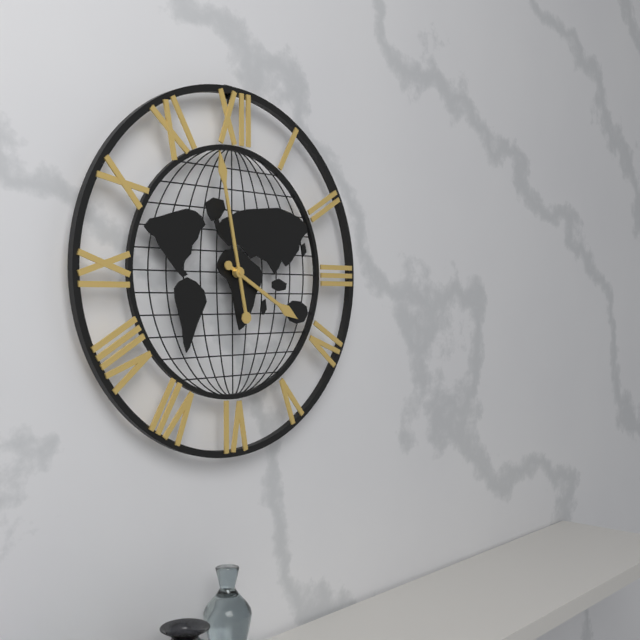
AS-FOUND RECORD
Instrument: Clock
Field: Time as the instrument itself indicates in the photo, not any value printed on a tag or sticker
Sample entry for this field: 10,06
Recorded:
3,58
